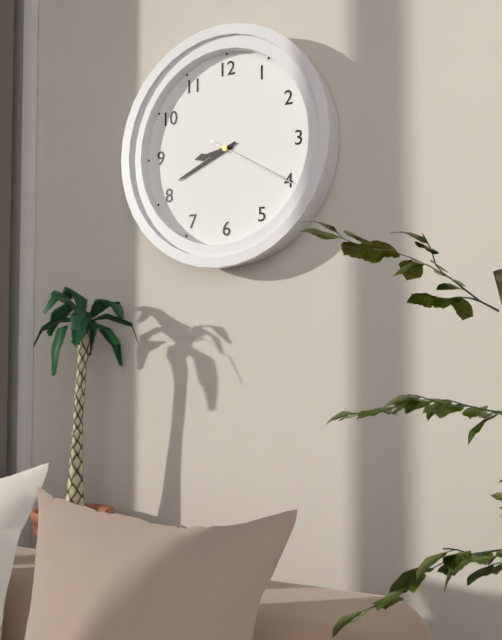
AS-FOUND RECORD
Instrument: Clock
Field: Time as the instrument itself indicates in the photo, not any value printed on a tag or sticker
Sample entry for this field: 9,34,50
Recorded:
8,41,20
